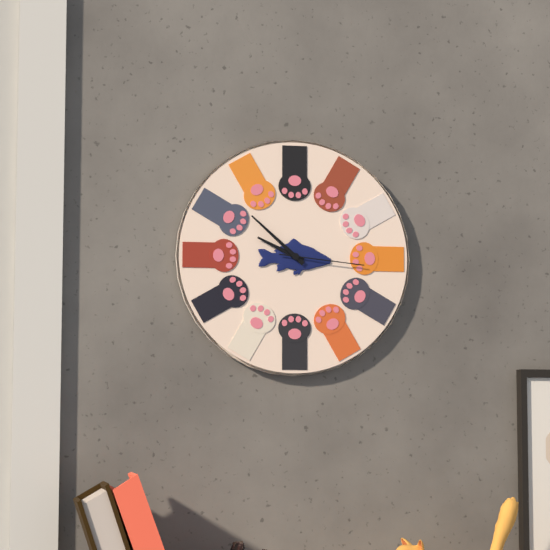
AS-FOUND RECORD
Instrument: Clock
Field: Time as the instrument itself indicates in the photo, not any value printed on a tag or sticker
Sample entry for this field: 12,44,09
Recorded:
9,52,16
